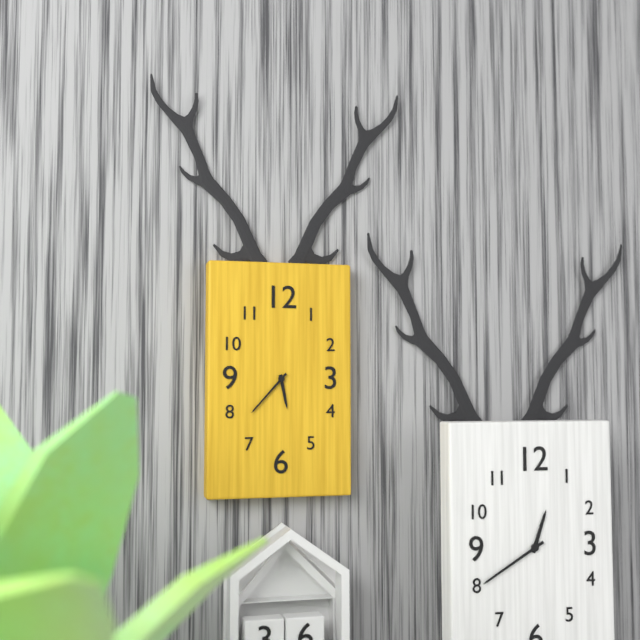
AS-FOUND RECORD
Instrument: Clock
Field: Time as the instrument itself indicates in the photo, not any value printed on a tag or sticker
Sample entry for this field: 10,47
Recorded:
5,37
